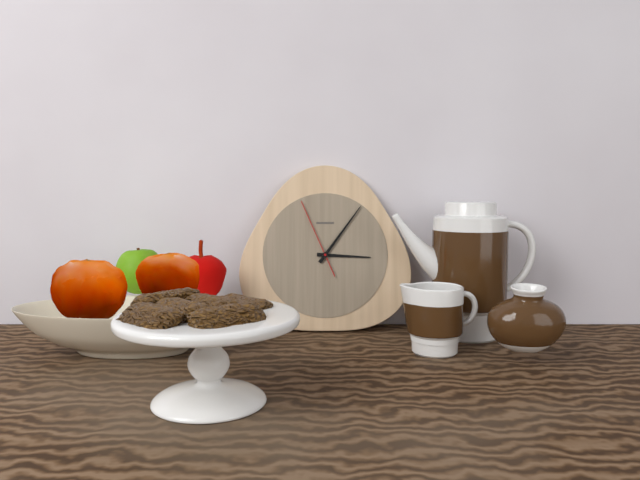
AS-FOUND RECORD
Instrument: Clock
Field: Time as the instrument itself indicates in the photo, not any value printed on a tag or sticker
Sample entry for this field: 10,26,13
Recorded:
3,06,56
